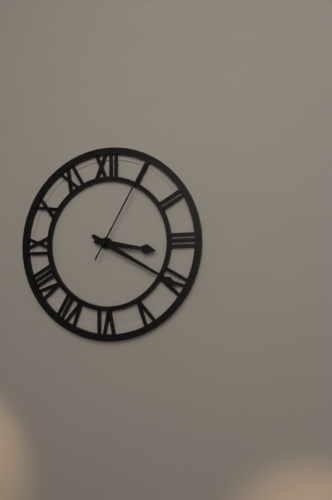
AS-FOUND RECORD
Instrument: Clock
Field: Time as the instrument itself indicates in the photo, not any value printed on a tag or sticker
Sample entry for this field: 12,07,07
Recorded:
3,20,05
